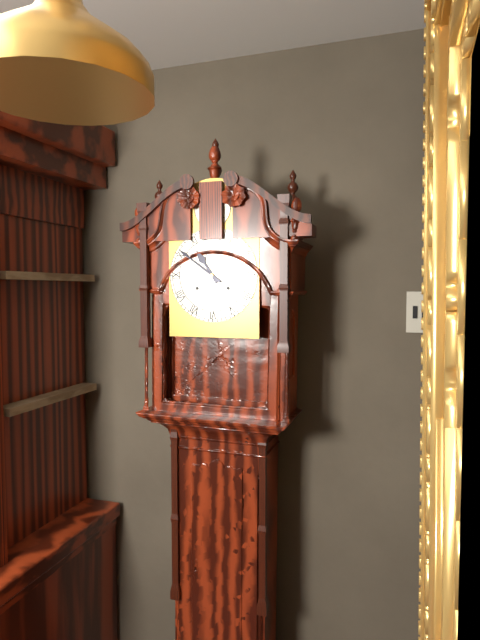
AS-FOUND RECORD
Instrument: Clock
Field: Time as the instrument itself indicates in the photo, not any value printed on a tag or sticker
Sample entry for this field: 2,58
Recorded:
10,51
